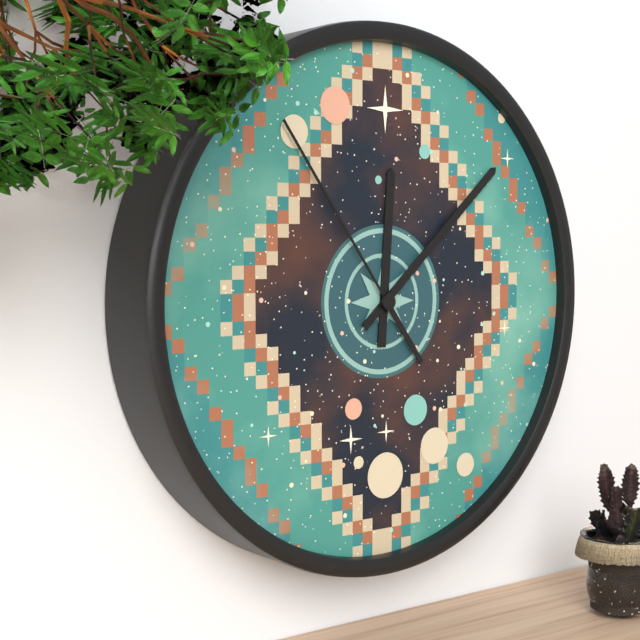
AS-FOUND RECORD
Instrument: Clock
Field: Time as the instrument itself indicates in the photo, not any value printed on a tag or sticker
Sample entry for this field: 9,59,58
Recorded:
12,08,54
